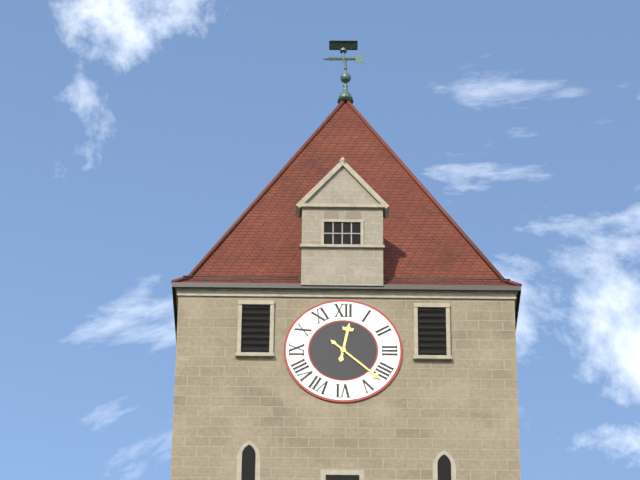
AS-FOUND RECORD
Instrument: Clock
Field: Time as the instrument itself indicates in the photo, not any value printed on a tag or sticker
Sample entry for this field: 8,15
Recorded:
12,22
